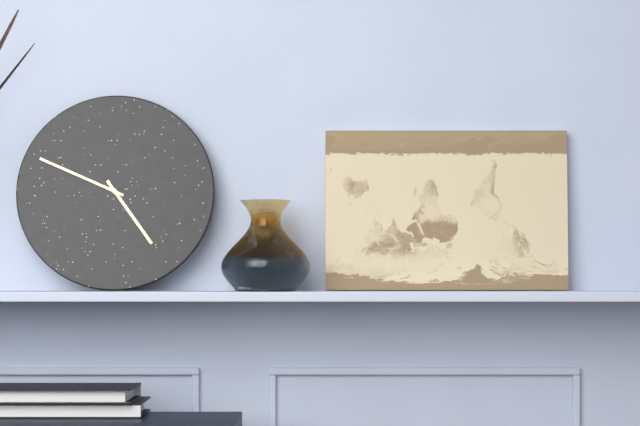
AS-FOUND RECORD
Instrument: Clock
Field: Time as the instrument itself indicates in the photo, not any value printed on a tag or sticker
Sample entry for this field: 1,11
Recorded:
4,49
